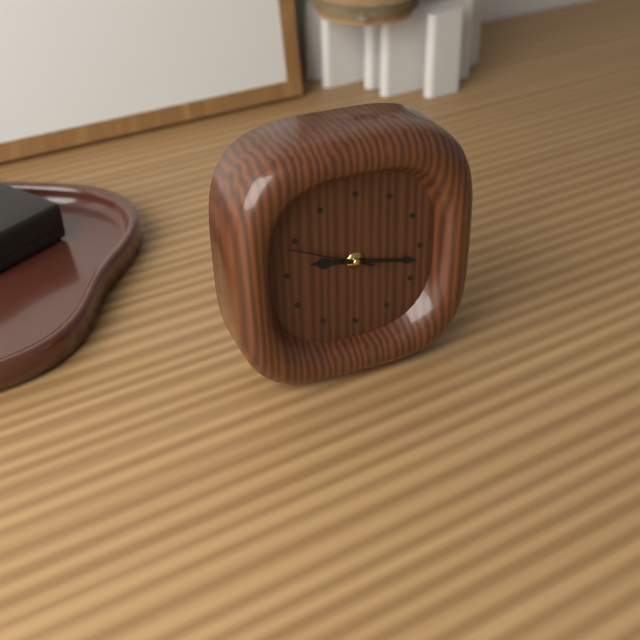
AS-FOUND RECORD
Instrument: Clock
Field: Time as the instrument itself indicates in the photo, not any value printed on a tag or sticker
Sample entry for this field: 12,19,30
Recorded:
9,17,49
